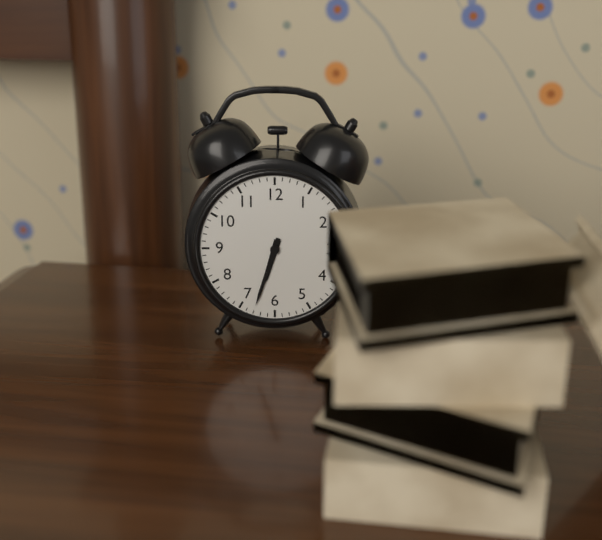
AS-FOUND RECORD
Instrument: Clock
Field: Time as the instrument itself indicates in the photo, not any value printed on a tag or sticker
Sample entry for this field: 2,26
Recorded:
6,33
